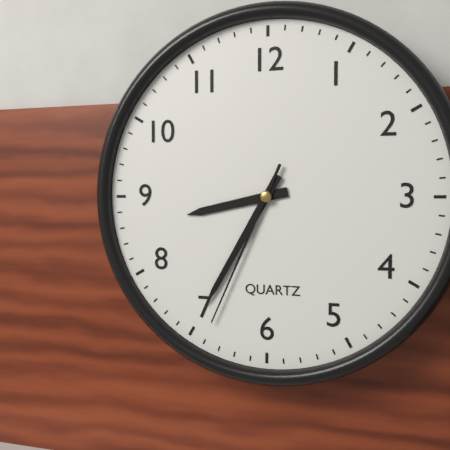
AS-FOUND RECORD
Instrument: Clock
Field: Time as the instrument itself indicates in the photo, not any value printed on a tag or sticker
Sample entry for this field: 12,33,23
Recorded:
8,35,34
